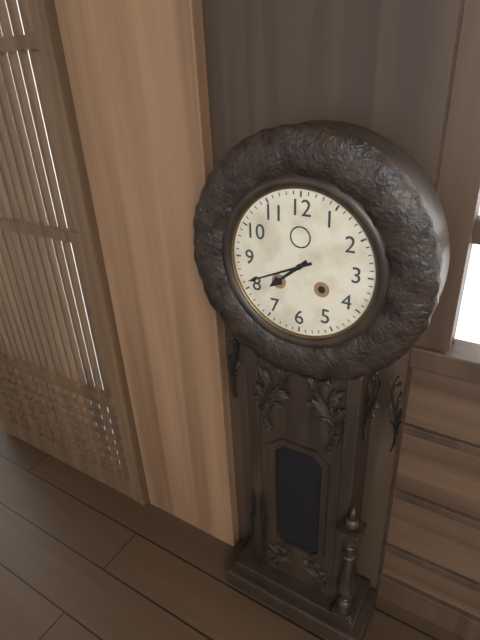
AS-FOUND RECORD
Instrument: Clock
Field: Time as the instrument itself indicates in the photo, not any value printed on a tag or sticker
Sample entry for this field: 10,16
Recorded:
7,41
